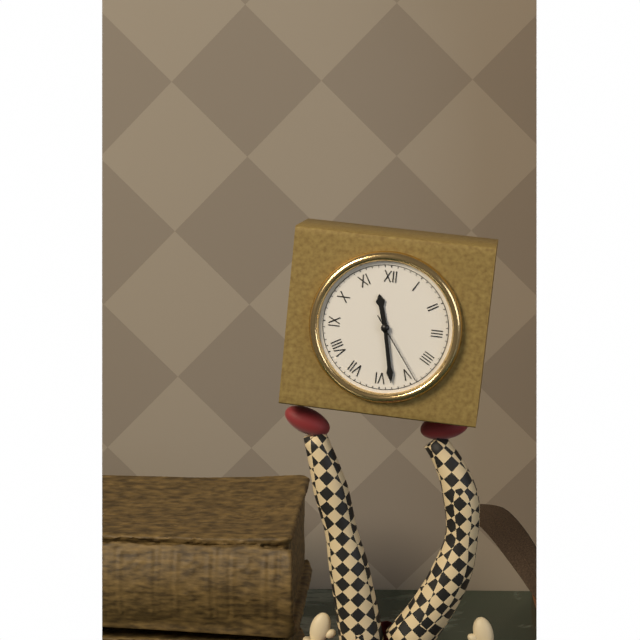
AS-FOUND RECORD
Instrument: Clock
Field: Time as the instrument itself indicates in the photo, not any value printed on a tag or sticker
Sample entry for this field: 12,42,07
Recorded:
11,28,24
